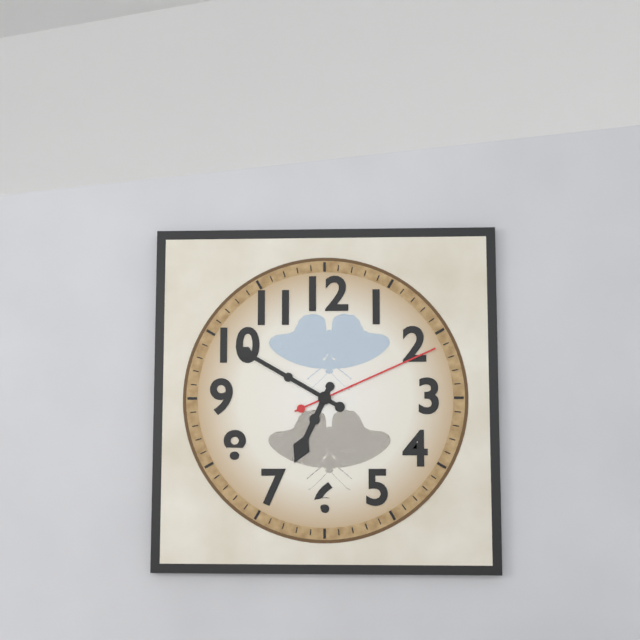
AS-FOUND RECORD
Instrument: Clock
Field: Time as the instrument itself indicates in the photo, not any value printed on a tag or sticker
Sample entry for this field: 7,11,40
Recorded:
6,50,11
